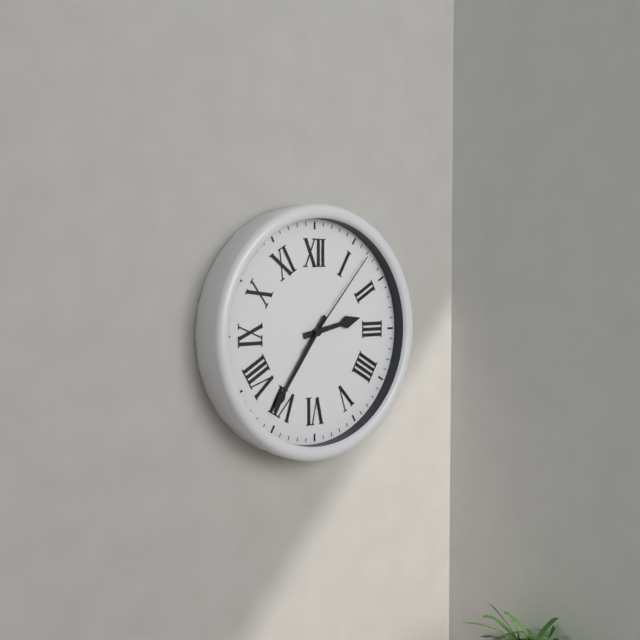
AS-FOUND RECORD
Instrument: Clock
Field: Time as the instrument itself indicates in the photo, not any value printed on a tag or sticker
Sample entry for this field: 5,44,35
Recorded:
2,36,07
